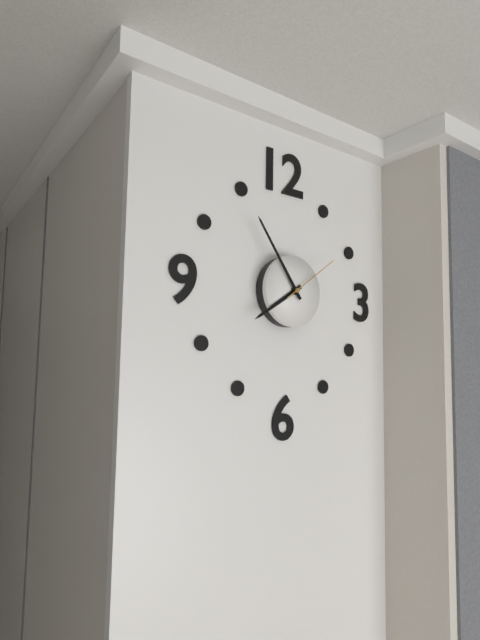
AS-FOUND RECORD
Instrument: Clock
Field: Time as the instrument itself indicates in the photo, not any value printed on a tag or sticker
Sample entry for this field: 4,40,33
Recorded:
7,54,09
